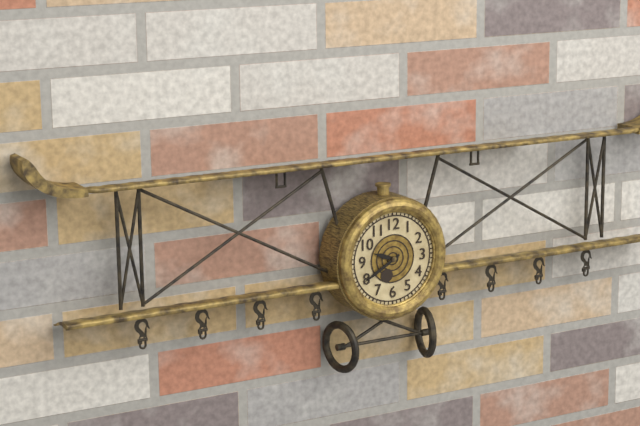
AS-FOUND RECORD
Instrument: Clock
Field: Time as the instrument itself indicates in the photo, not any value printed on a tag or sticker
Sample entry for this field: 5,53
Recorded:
9,40
